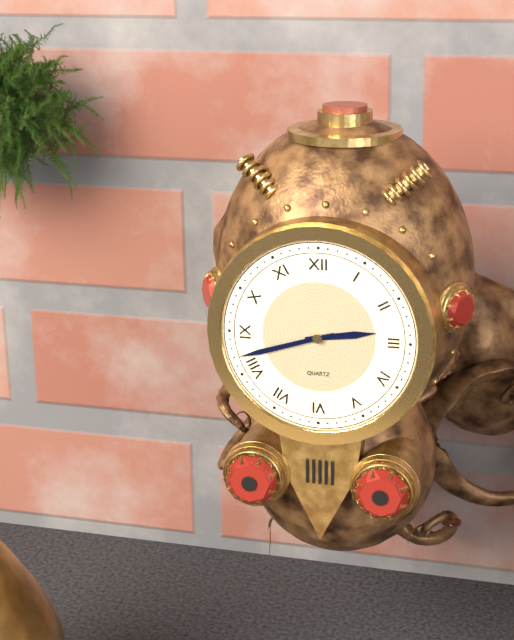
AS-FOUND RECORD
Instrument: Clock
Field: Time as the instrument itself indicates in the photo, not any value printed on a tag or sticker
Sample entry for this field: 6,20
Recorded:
2,42
